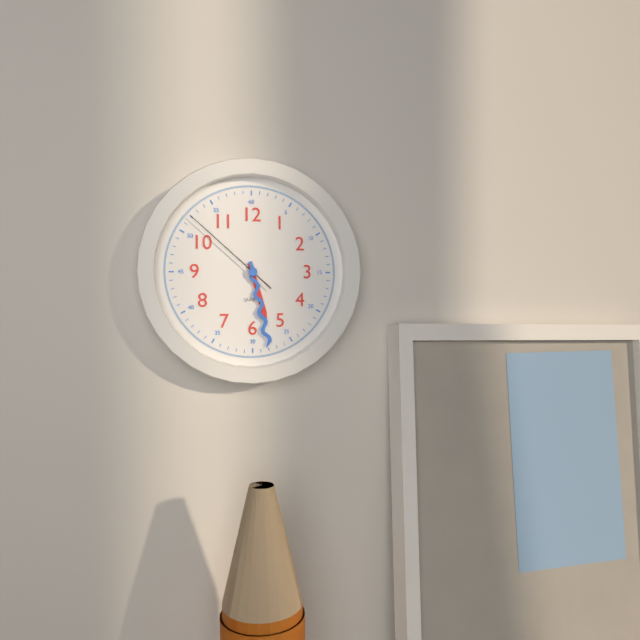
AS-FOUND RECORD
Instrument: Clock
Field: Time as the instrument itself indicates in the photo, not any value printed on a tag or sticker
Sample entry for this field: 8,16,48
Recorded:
5,28,52
